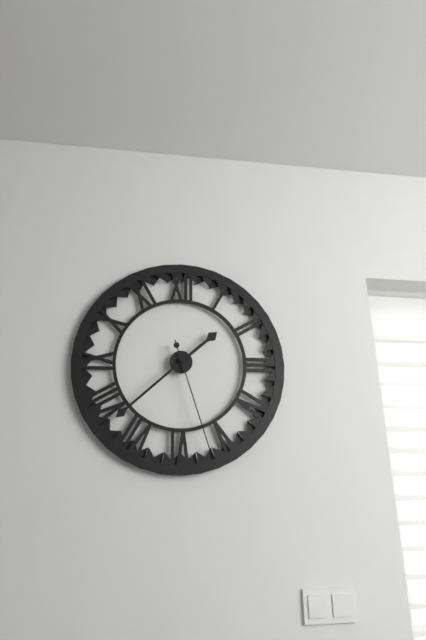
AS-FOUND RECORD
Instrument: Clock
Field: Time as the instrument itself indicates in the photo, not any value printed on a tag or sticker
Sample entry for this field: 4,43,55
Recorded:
1,38,27
